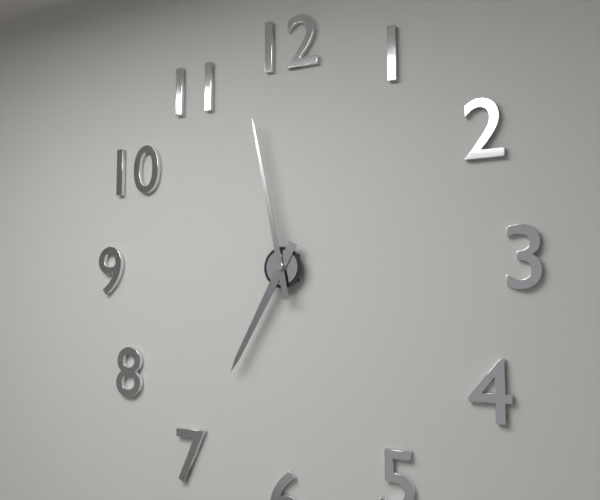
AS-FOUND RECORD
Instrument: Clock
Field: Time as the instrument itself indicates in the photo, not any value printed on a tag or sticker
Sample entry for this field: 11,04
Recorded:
6,58
